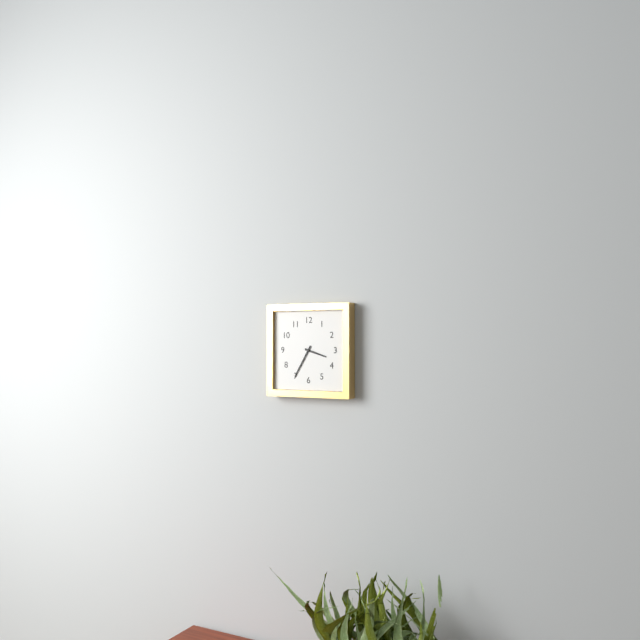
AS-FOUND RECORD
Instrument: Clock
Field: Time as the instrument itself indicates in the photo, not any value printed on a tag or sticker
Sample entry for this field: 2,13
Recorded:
3,35
